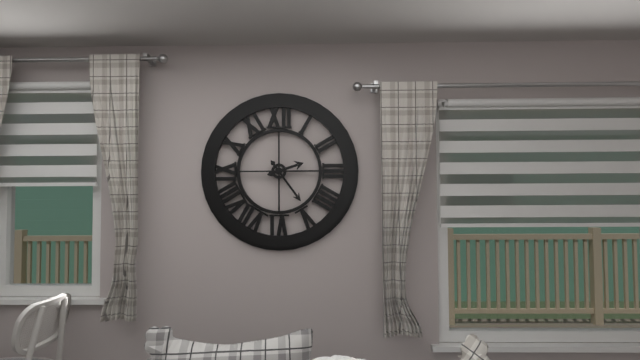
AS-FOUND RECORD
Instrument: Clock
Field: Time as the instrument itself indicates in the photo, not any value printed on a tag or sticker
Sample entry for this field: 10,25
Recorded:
2,24
